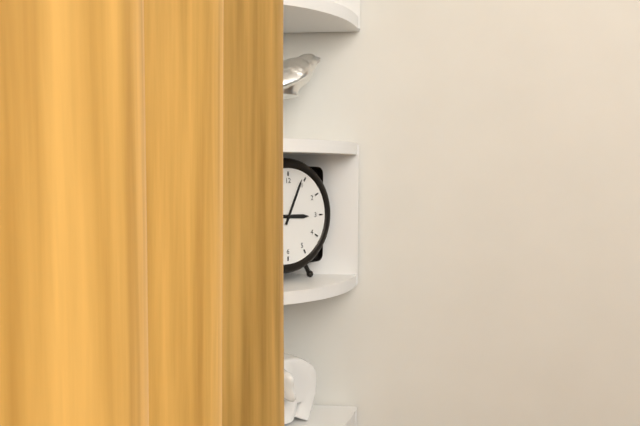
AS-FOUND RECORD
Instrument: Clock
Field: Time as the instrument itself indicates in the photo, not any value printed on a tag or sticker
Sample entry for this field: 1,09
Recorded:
3,04
